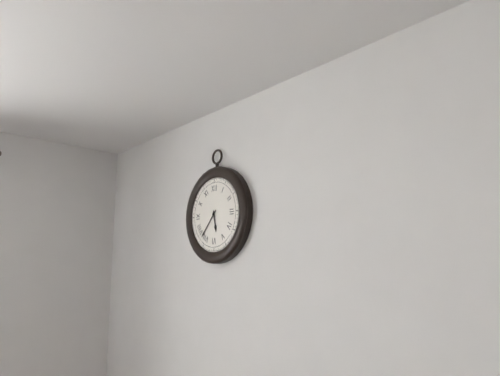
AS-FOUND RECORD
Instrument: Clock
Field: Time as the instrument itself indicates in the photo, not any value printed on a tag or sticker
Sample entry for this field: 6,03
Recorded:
5,37
